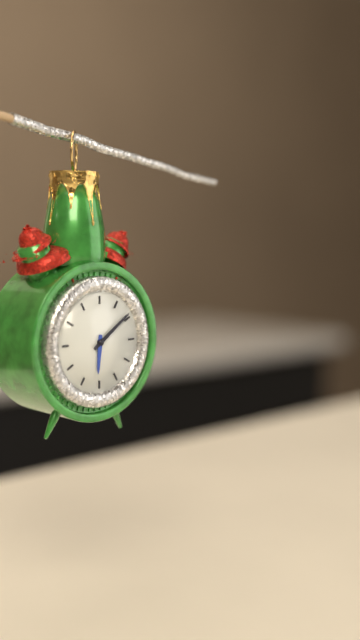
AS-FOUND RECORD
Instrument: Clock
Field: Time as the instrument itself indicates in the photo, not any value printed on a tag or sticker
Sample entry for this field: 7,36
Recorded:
6,09
